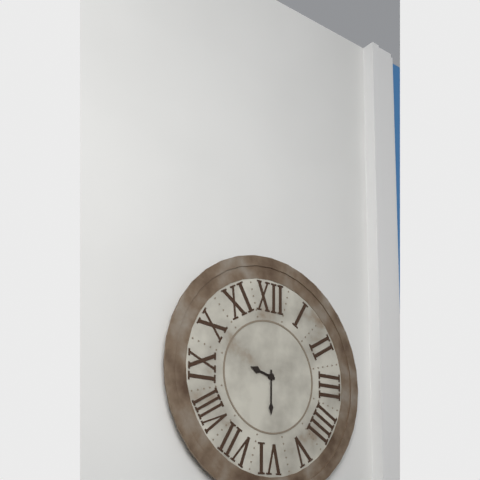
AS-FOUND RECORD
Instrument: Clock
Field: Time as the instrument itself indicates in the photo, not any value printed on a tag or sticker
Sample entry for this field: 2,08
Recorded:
9,30
